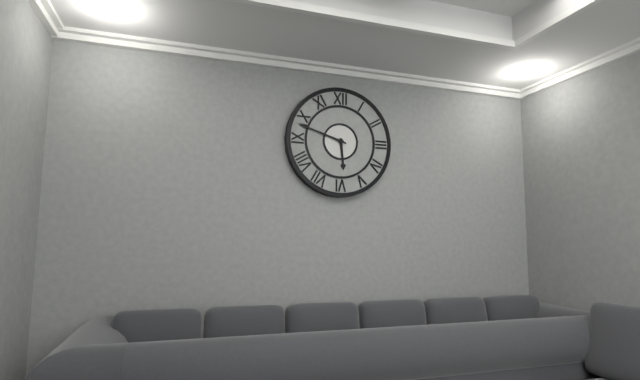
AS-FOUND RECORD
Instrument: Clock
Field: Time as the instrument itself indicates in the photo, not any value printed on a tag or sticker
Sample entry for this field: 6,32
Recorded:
5,48
